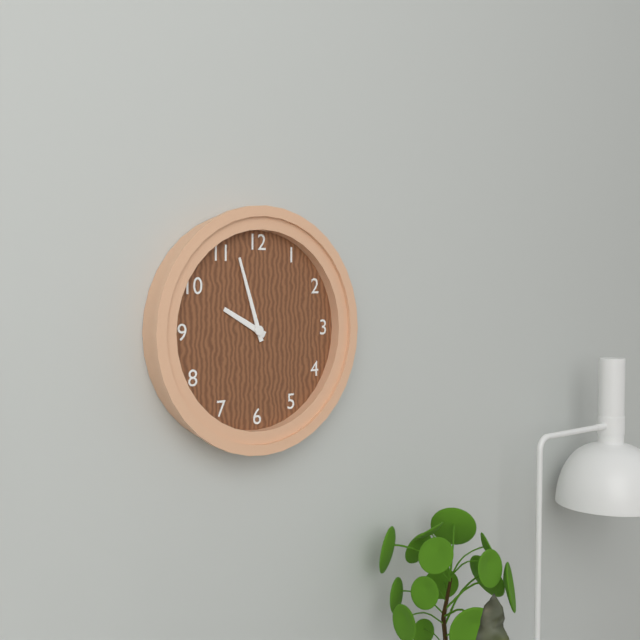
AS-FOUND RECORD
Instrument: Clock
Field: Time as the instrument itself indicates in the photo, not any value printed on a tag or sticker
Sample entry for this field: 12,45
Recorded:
9,57
